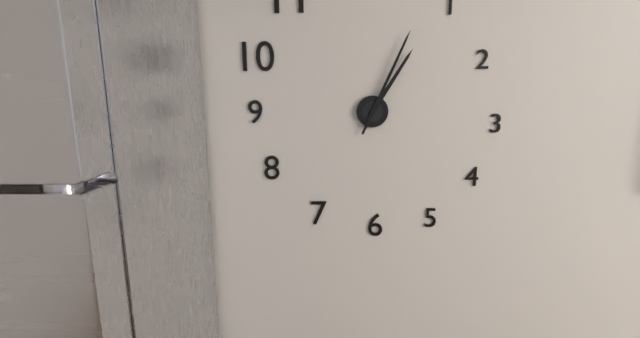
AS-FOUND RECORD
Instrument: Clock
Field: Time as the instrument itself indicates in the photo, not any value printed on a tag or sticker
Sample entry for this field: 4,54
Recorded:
1,04
